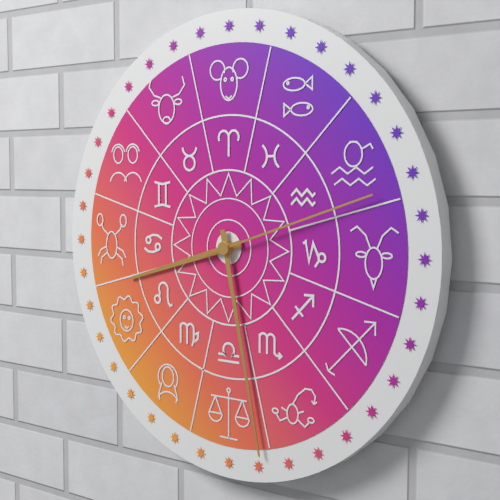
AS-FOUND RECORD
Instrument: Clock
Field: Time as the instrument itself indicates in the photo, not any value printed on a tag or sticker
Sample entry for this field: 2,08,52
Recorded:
8,28,12
